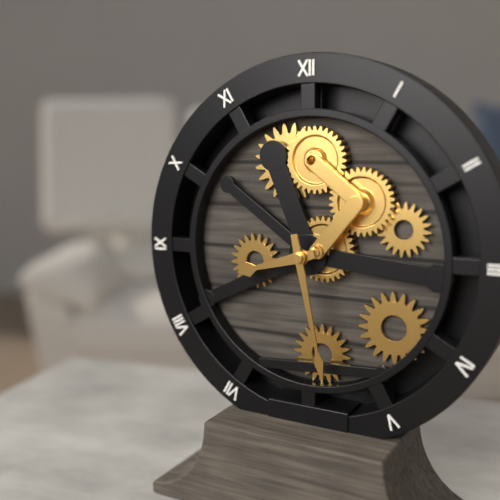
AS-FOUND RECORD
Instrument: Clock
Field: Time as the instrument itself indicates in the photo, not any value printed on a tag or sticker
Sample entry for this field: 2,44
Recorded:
8,28
